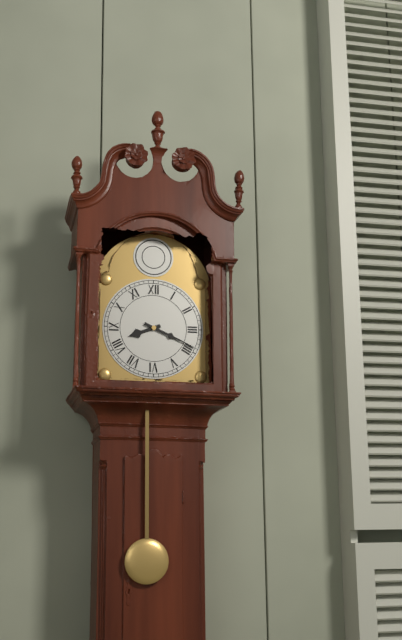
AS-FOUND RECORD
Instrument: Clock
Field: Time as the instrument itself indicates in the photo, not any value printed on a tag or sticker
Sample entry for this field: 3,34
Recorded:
8,19
